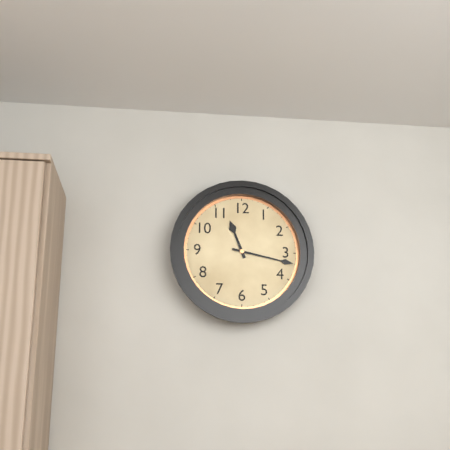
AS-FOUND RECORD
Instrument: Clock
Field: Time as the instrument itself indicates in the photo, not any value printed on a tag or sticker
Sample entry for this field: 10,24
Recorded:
11,17
